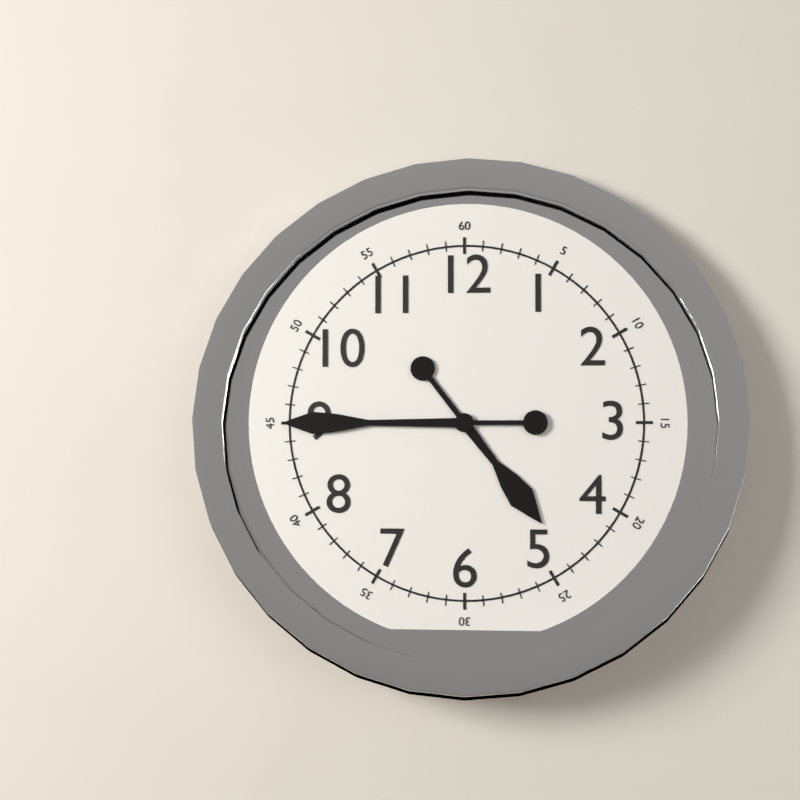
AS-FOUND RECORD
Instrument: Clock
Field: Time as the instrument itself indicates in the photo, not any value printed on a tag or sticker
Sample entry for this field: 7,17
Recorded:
4,45
